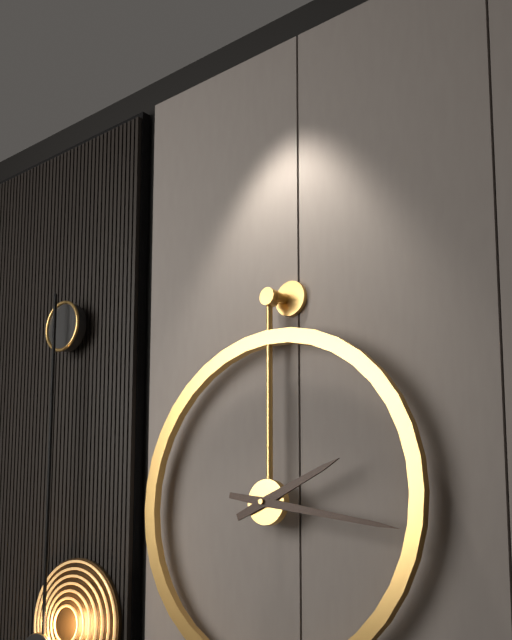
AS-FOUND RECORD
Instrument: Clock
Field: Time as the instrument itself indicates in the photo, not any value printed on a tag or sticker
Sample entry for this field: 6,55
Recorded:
2,17
